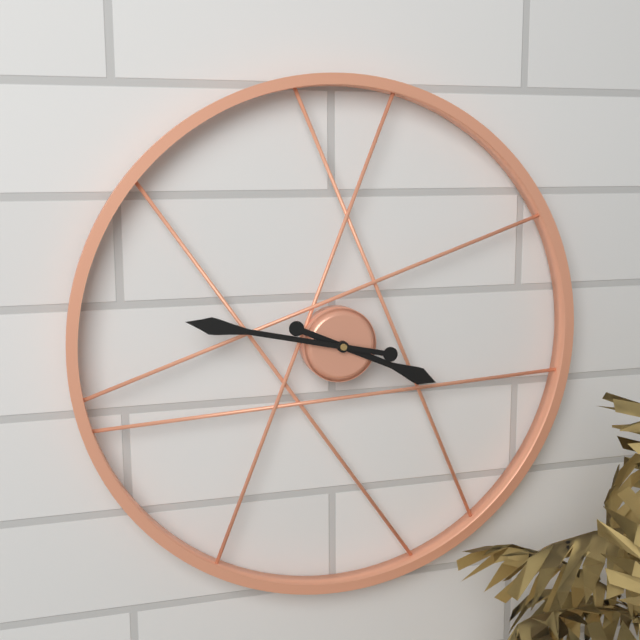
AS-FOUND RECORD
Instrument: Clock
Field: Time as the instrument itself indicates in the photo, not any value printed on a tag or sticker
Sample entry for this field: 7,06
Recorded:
3,47
